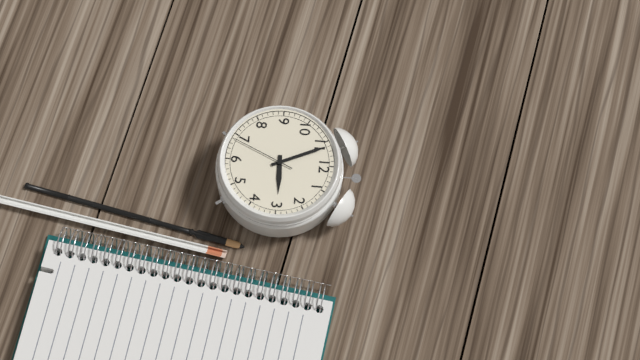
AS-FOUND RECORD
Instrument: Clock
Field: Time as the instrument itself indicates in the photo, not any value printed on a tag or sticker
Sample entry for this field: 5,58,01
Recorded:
2,56,34
